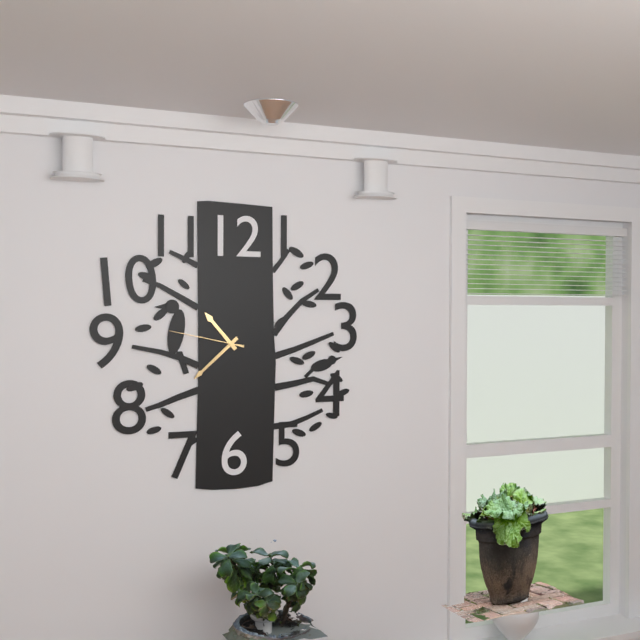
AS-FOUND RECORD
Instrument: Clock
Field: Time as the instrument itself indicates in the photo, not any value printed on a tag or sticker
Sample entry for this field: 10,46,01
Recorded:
10,38,47
